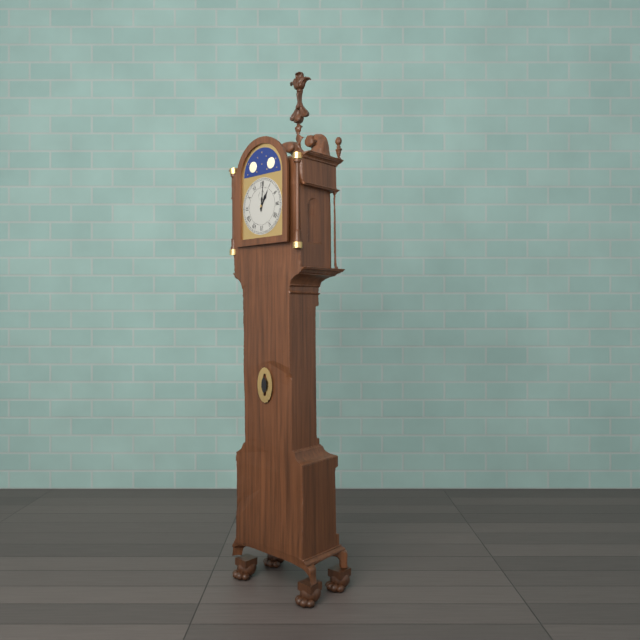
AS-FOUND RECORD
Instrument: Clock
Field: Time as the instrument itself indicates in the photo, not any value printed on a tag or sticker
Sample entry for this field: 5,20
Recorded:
1,01
